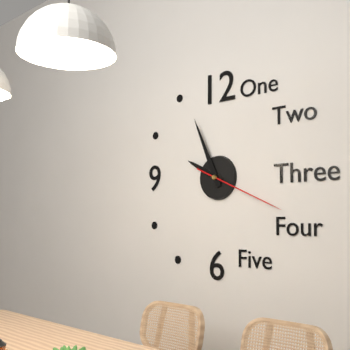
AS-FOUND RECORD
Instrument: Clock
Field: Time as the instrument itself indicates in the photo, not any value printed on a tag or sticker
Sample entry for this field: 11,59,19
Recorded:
9,56,19
